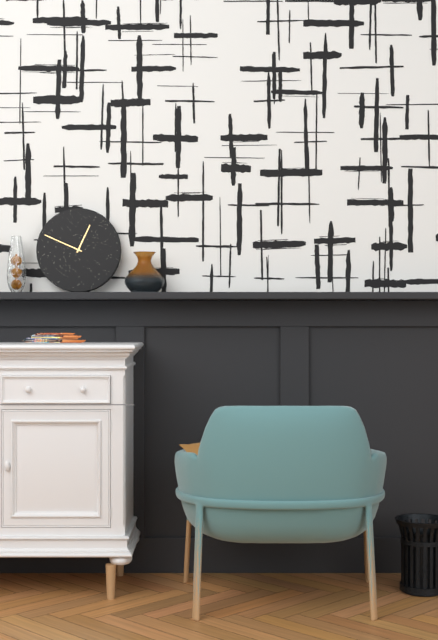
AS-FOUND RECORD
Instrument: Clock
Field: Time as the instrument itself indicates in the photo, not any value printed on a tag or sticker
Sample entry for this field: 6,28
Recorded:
12,49
